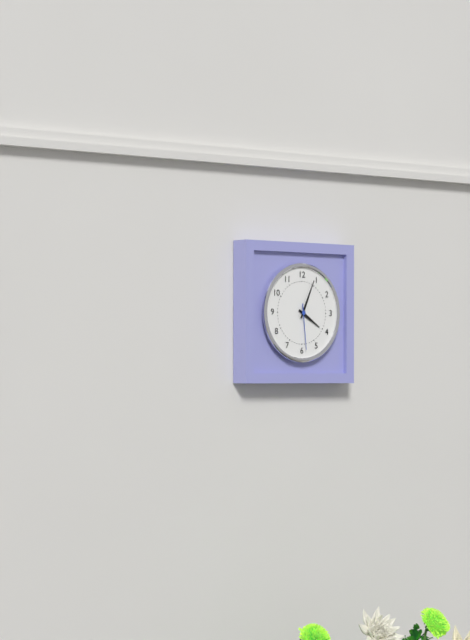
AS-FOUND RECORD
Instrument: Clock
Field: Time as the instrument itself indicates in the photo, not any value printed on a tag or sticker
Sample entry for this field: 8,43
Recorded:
4,04
